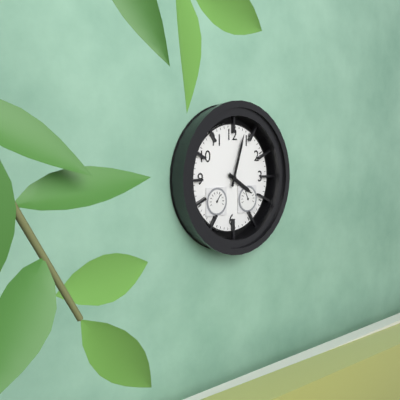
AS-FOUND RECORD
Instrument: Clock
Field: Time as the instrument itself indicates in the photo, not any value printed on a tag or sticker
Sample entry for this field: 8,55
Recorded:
4,03
